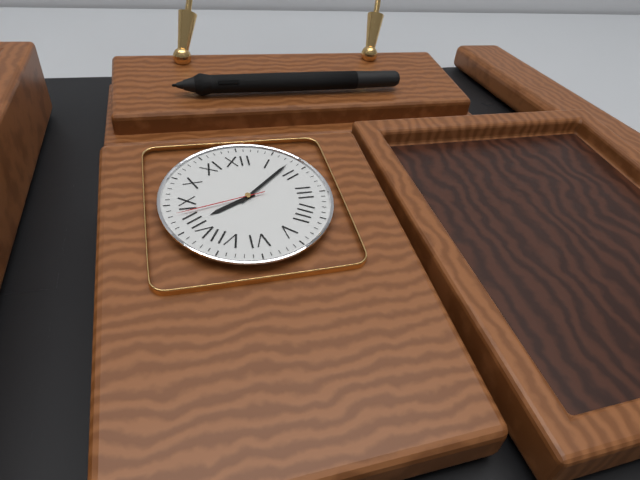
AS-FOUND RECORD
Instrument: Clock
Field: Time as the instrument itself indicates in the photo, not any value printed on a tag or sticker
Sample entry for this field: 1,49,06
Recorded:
8,08,43
